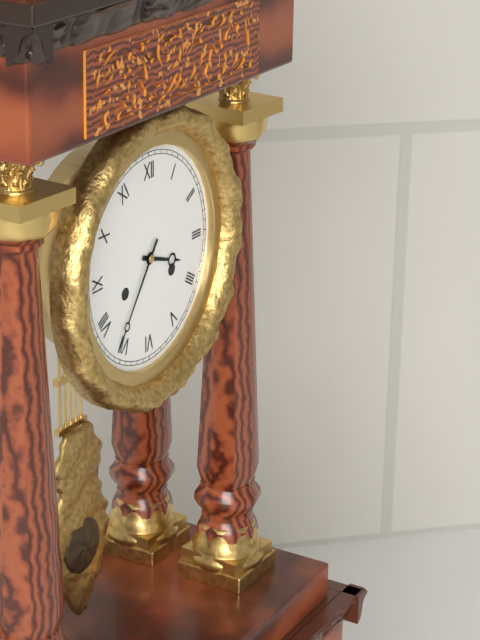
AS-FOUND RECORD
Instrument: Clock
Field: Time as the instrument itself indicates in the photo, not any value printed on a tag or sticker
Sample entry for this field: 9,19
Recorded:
3,36
